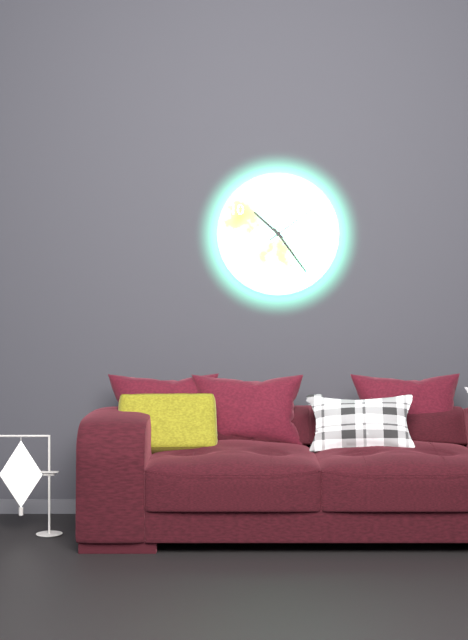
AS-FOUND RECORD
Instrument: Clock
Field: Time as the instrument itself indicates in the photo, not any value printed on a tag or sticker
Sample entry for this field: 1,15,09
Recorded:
10,24,09
